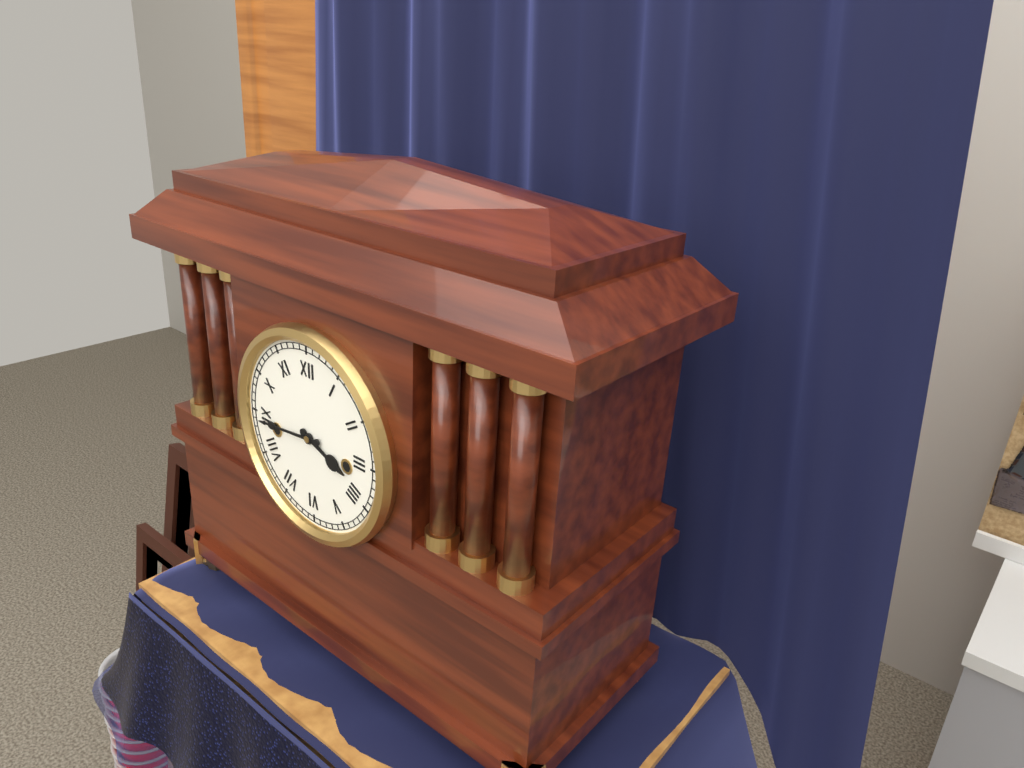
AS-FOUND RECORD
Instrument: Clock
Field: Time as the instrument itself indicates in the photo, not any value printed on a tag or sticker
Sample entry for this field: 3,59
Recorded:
3,44
